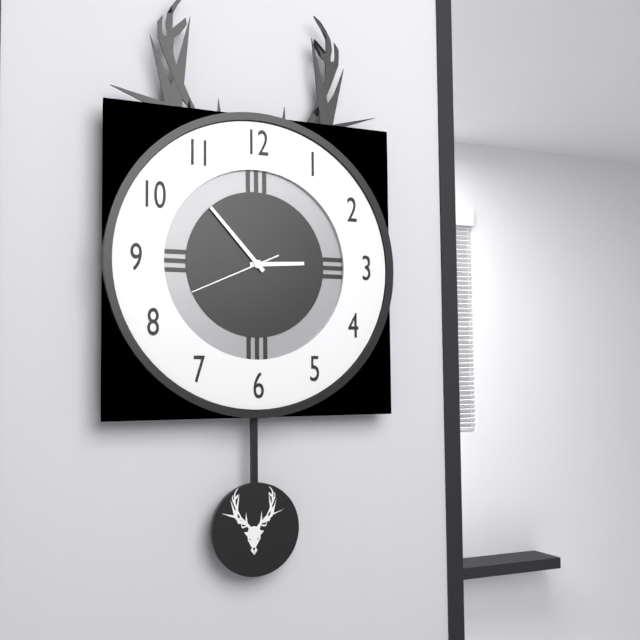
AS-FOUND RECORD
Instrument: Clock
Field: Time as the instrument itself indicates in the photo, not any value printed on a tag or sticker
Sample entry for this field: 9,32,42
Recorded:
2,53,41
